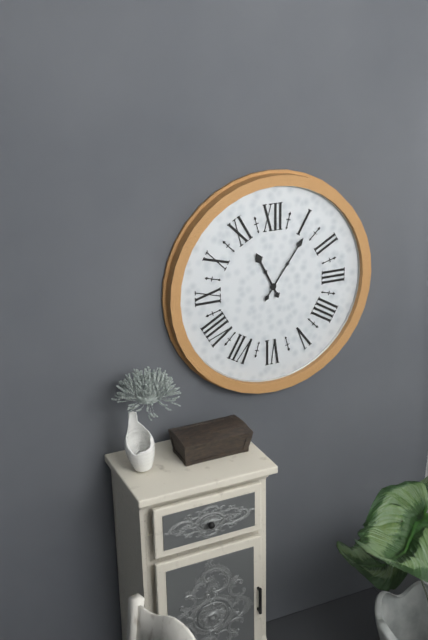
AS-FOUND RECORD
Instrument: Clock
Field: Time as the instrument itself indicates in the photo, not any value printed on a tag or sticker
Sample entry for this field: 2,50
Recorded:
11,06
